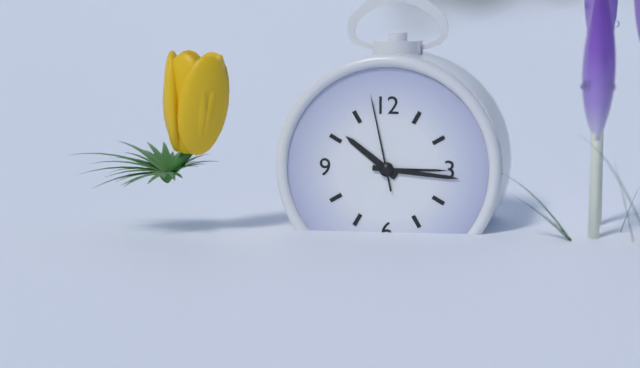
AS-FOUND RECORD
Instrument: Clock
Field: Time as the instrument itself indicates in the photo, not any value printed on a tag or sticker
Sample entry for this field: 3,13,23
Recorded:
10,16,58
